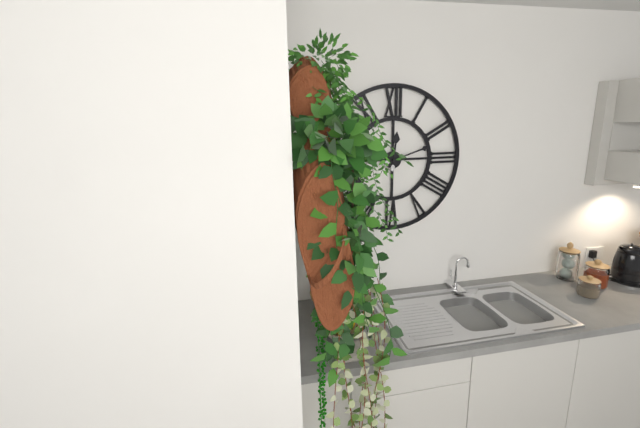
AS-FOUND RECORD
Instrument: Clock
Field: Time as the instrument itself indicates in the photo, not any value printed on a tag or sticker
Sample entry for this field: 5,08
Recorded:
12,12
